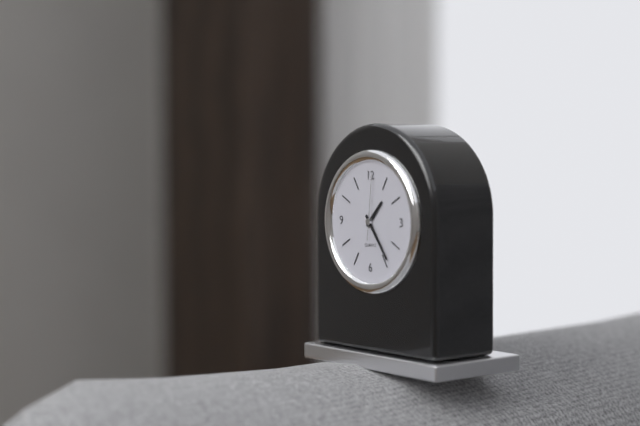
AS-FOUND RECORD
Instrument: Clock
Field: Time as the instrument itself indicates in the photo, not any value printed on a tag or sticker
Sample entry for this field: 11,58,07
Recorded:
1,24,01
